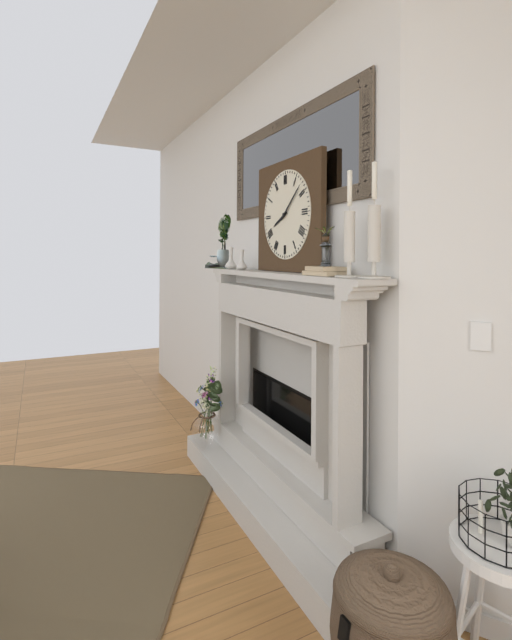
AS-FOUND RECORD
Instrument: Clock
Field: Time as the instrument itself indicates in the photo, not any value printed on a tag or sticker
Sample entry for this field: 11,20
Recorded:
8,08
